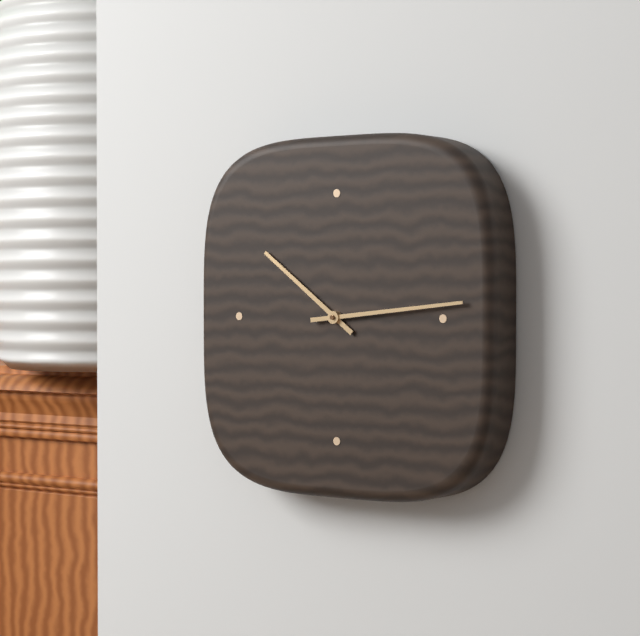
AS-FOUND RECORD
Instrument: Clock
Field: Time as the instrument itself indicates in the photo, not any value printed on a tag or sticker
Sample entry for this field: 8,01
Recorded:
10,14
